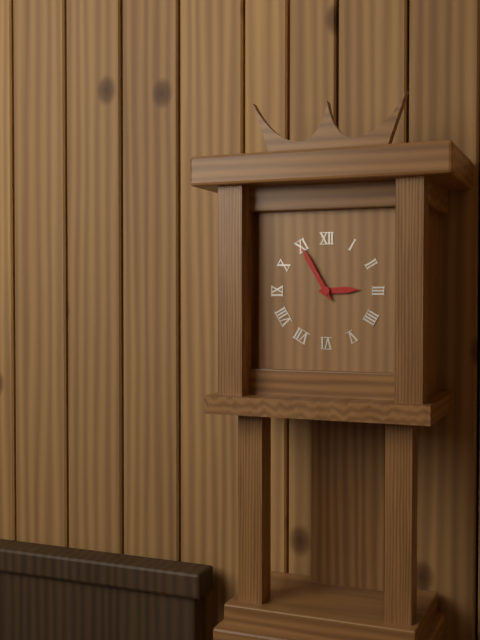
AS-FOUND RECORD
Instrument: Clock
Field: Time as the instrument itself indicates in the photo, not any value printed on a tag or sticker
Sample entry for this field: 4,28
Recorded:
2,55
